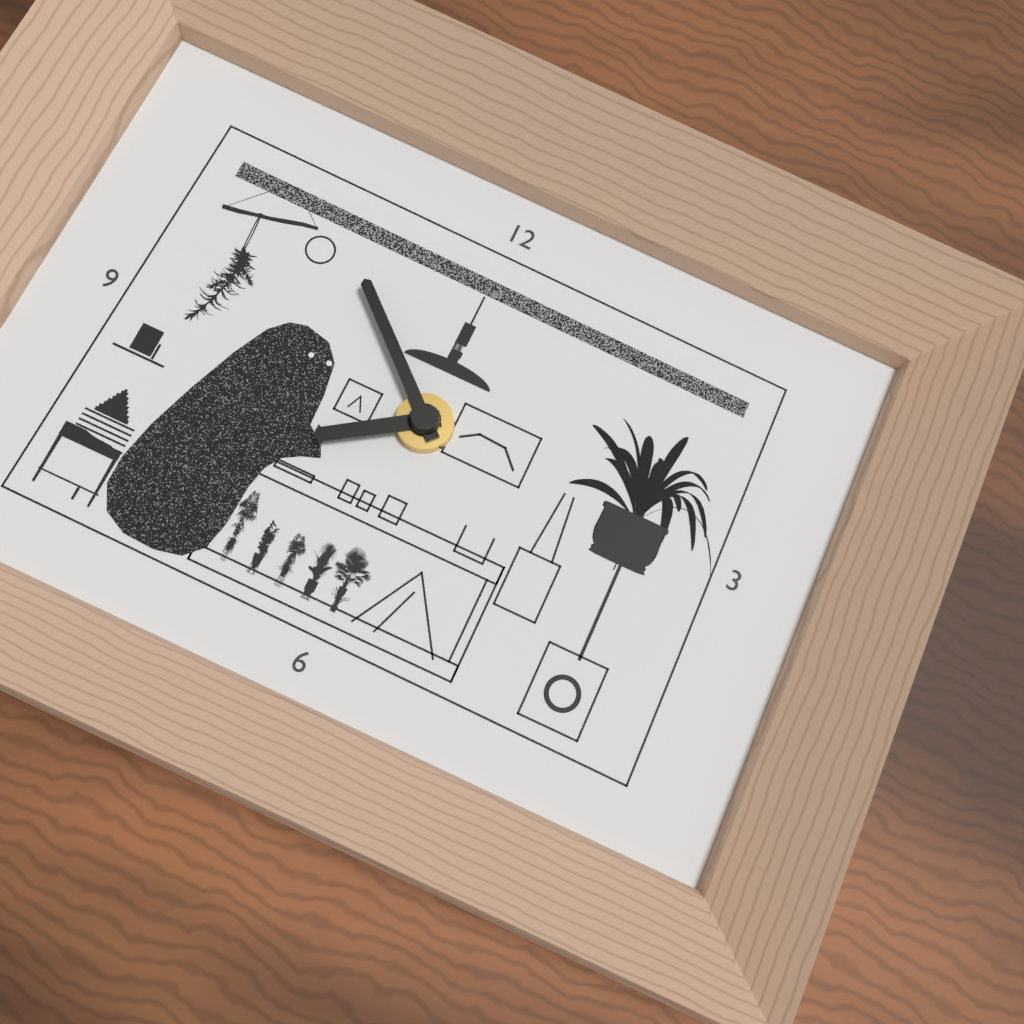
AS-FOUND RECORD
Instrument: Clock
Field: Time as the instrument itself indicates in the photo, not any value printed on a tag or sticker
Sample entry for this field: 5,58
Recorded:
7,52
